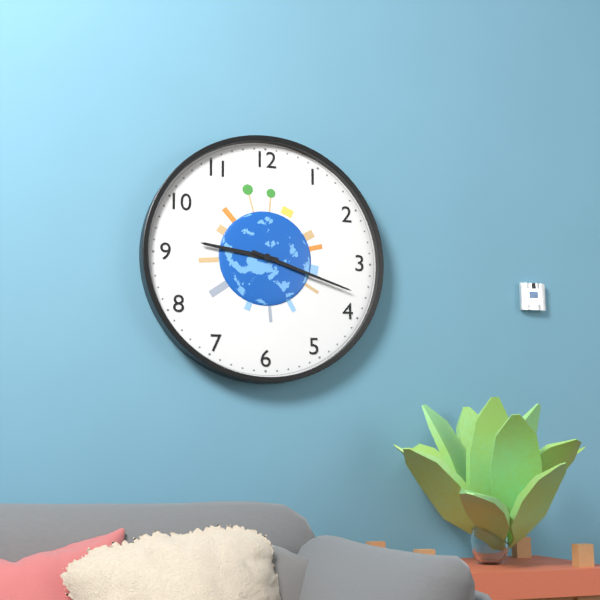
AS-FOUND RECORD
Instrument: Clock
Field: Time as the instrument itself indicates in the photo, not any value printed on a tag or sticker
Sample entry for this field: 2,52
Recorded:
9,18
